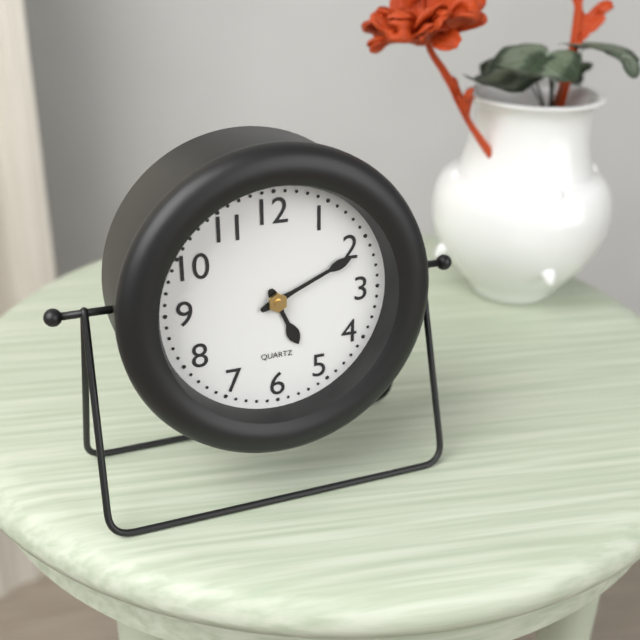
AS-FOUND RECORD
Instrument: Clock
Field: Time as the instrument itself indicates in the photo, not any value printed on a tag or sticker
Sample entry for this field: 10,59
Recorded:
5,11
